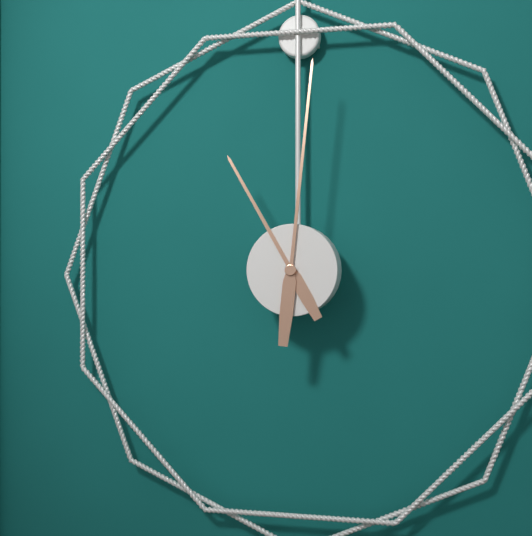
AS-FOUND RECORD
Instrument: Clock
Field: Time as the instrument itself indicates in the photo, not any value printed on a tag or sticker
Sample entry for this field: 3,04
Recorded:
11,01
